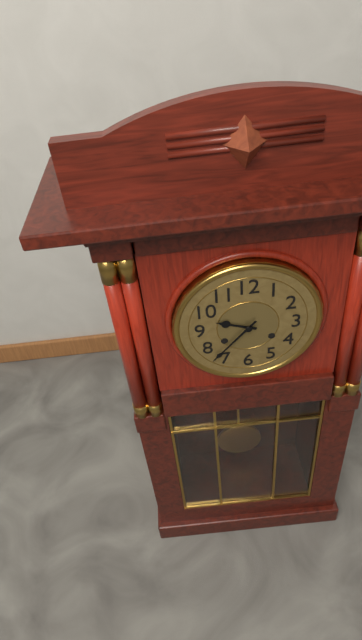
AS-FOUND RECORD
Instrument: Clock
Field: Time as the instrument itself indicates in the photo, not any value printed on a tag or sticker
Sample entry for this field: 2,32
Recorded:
9,37
